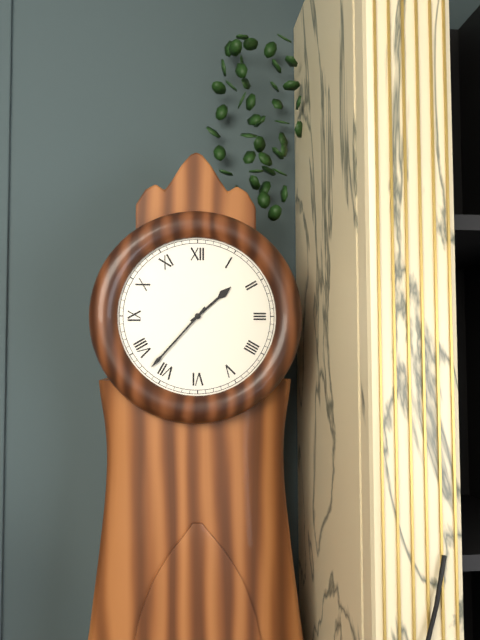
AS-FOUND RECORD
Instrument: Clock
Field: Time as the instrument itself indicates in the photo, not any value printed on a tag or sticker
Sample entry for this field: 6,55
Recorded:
1,37
